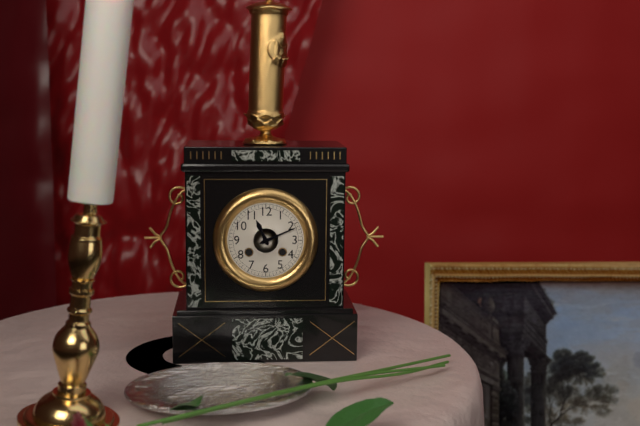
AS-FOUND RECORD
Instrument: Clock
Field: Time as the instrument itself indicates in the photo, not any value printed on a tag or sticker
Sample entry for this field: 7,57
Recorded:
11,11
